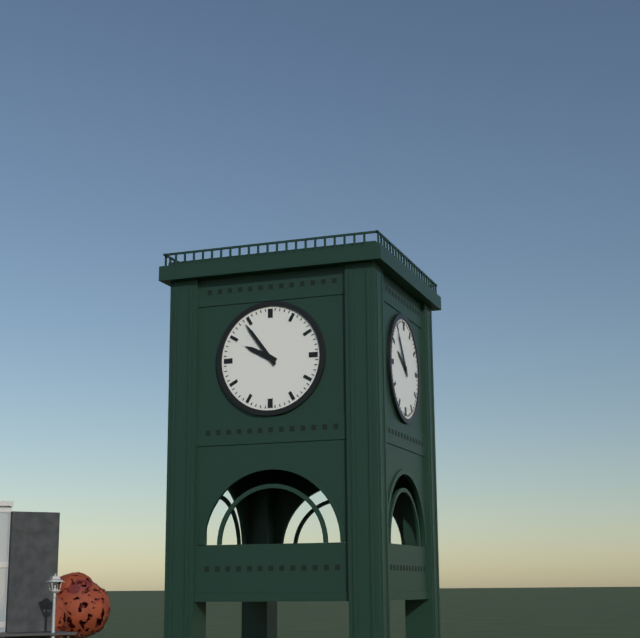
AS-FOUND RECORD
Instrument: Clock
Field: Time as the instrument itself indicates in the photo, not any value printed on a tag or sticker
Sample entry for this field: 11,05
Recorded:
9,54
